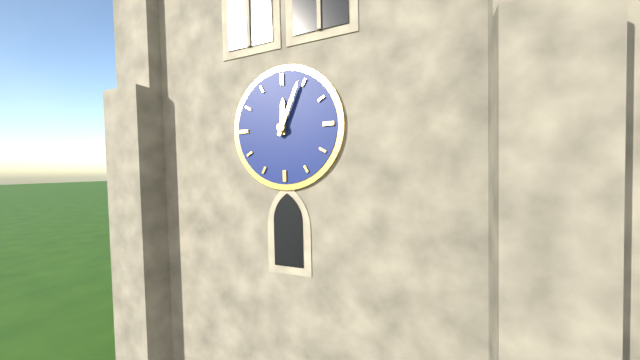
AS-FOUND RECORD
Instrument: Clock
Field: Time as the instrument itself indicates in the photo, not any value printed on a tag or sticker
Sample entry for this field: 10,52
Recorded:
12,04
